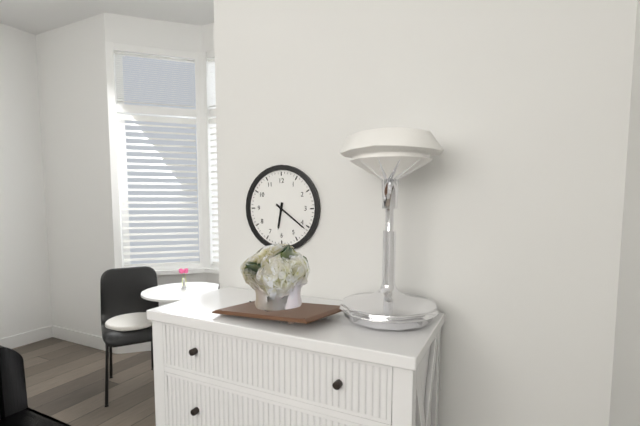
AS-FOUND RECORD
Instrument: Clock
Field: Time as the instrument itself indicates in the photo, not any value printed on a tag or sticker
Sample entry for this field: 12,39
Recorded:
6,21
